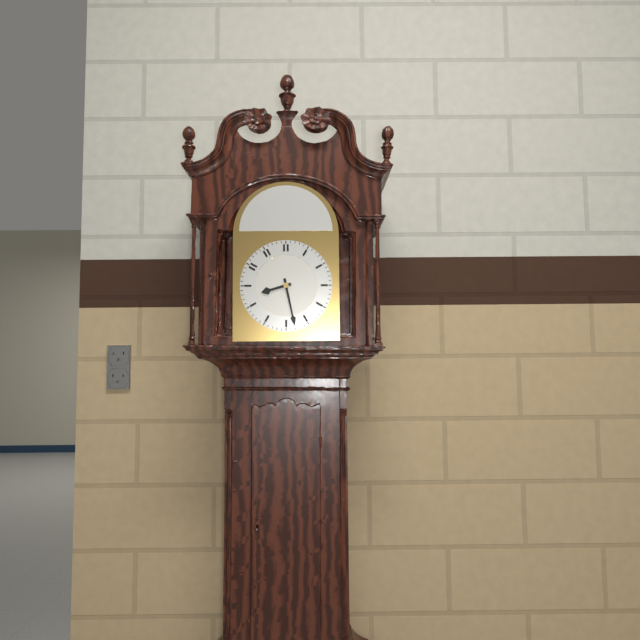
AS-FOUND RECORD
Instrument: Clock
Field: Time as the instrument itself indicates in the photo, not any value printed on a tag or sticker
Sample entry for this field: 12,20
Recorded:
8,28
